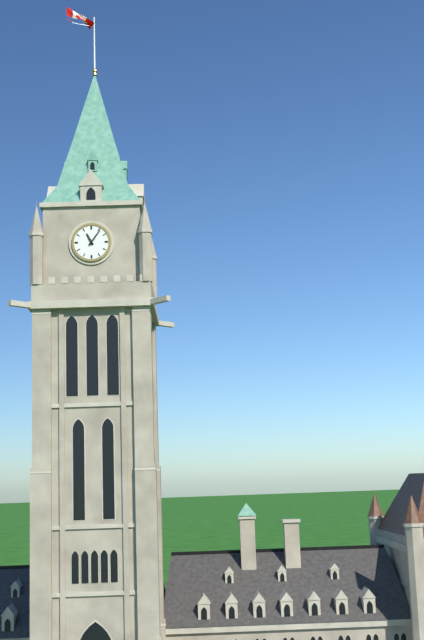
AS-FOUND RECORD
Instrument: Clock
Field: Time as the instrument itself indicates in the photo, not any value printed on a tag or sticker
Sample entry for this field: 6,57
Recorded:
11,06
